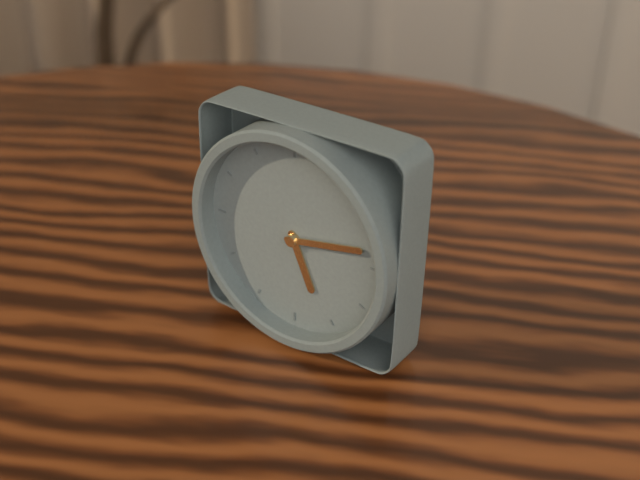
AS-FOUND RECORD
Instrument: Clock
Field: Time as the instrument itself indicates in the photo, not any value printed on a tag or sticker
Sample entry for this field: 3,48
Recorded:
5,13
